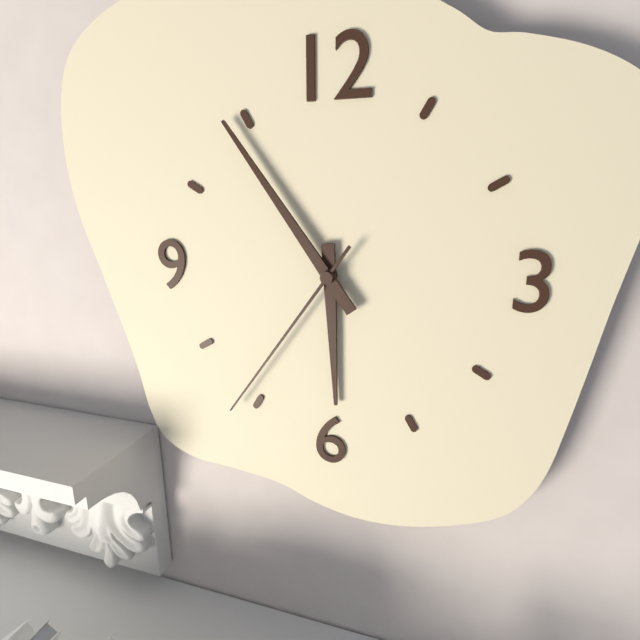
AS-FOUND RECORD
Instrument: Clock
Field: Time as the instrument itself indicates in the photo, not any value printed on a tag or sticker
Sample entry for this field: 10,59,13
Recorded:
5,54,36
